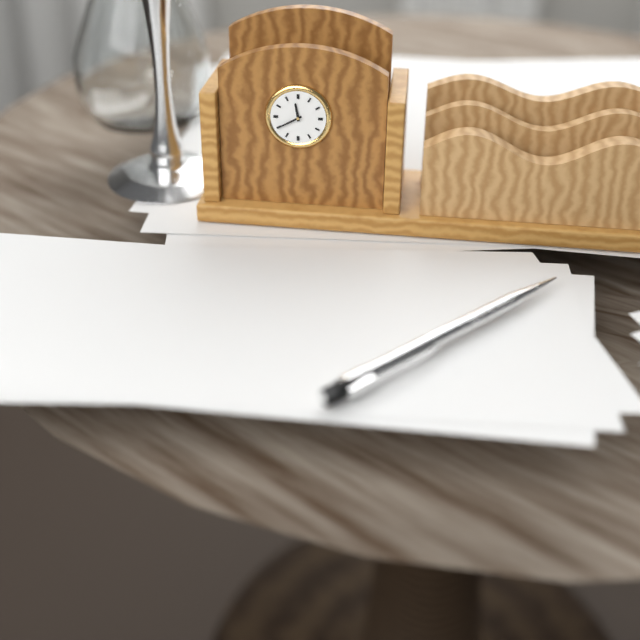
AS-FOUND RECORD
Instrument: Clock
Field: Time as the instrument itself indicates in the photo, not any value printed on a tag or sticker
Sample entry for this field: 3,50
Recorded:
11,40
